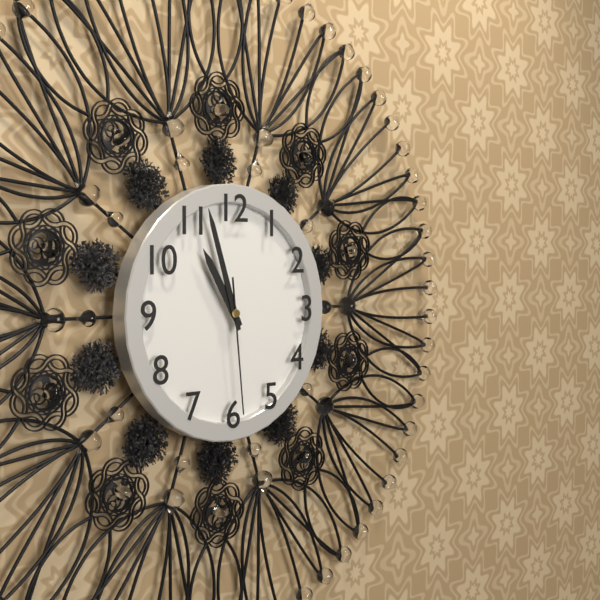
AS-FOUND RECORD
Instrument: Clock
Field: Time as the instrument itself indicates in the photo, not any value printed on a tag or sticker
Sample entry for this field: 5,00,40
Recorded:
10,57,29
